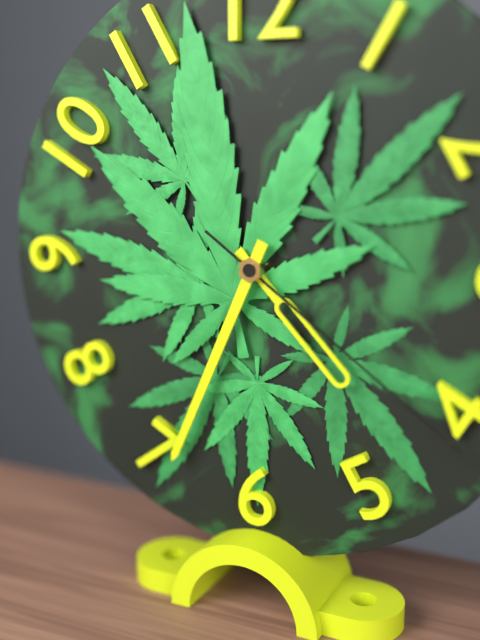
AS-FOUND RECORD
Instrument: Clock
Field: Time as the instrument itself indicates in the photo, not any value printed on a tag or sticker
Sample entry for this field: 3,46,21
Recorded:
4,34,21
